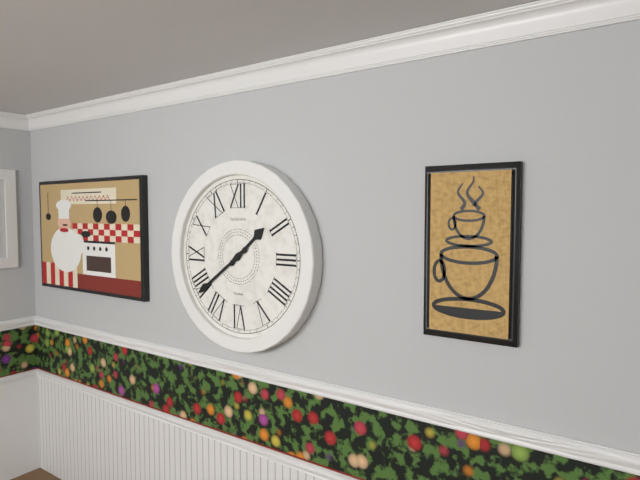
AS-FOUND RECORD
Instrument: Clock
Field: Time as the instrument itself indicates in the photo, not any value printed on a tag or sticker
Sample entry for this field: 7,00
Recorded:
1,39
